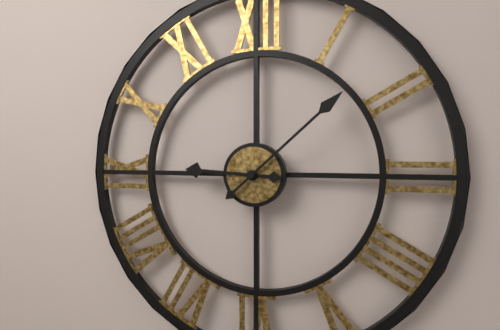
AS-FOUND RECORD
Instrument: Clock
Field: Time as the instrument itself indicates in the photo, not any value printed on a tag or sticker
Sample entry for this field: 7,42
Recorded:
9,08
